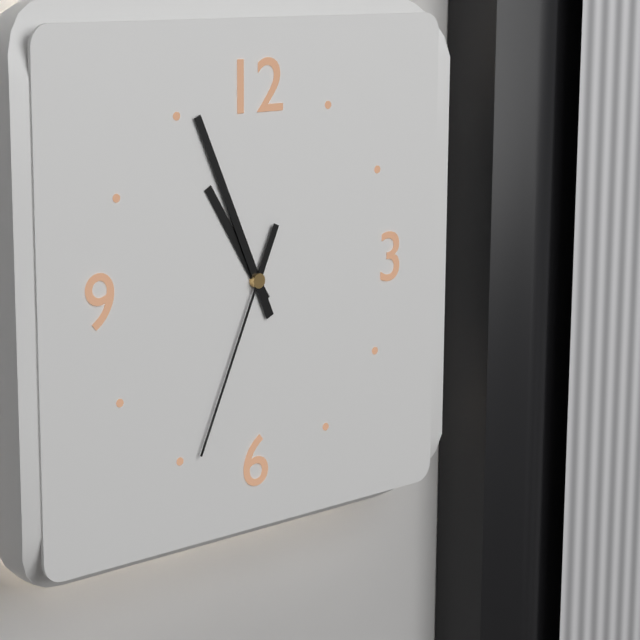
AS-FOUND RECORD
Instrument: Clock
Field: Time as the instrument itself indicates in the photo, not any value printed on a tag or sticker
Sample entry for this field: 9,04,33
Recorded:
10,56,34
